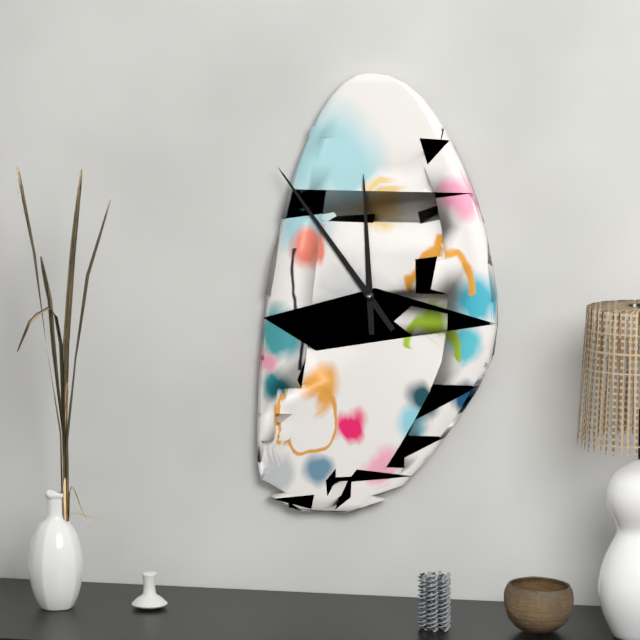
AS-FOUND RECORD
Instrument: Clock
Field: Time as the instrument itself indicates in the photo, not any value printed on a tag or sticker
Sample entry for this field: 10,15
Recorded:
11,54
